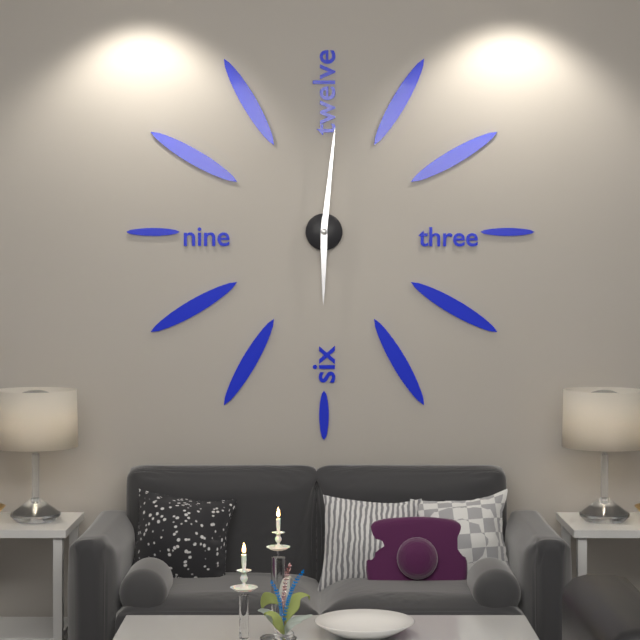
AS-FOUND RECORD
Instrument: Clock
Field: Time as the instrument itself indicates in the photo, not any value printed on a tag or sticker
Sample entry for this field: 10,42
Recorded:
6,01
